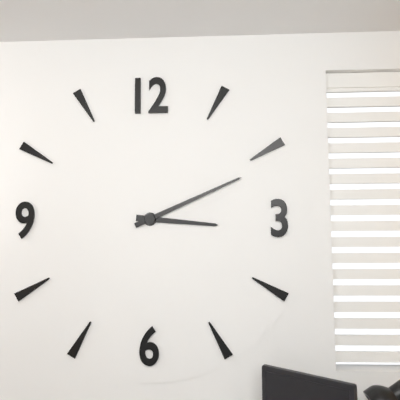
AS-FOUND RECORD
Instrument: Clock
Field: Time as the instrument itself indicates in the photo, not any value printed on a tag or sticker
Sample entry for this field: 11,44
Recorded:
3,11
